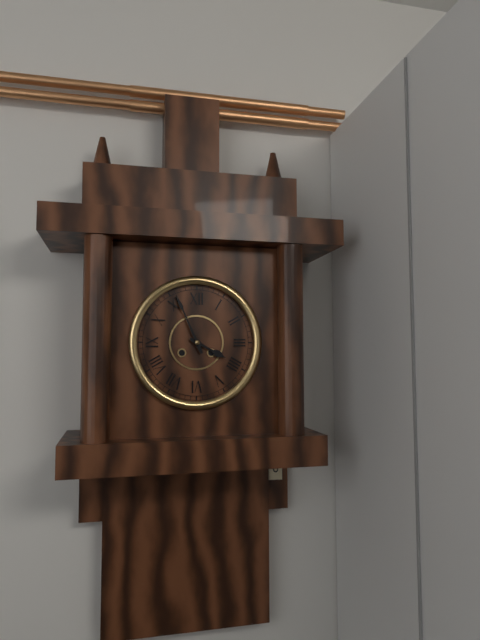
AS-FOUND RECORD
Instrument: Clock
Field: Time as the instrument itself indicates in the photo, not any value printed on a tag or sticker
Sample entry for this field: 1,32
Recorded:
3,56
